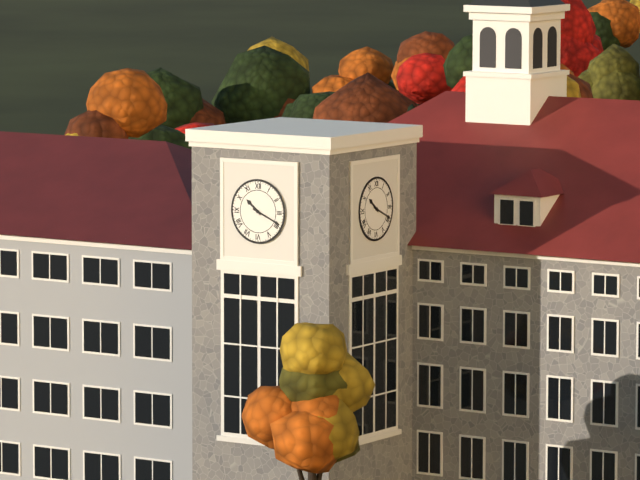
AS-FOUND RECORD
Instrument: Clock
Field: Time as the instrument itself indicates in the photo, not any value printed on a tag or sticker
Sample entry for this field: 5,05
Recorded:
10,19
